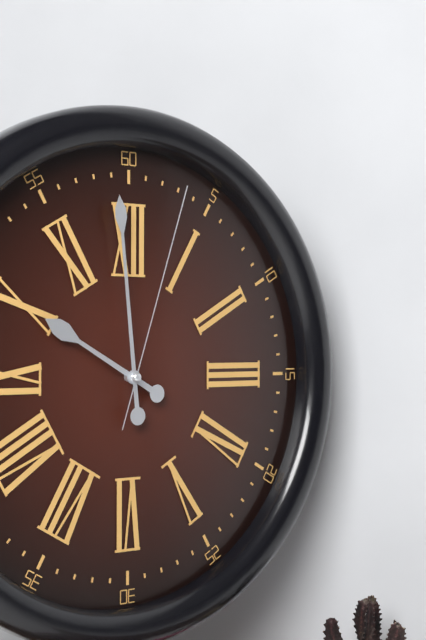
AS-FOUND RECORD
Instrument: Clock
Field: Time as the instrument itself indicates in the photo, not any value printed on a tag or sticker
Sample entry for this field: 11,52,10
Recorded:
9,59,03
